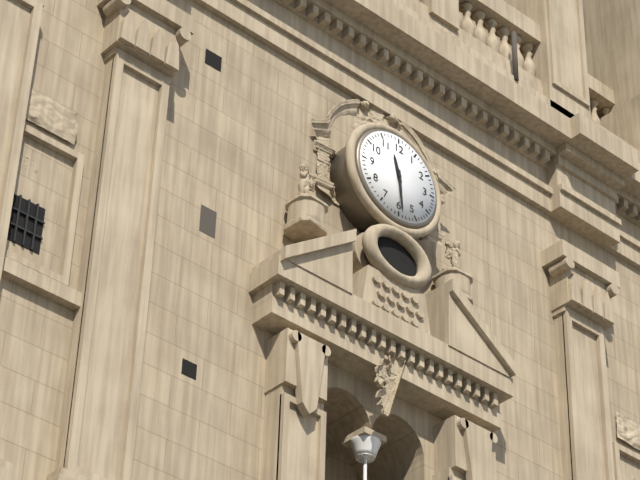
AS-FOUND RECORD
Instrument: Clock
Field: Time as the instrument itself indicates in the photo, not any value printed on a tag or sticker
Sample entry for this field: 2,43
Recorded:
11,29
